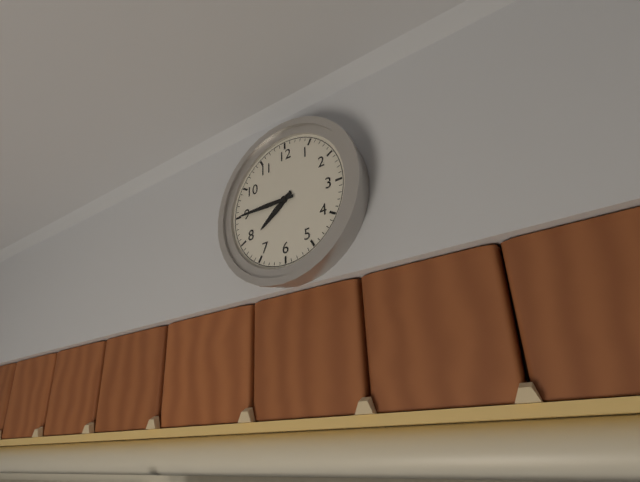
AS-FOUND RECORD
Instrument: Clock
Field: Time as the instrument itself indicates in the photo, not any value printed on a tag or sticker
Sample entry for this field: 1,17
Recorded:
7,45
